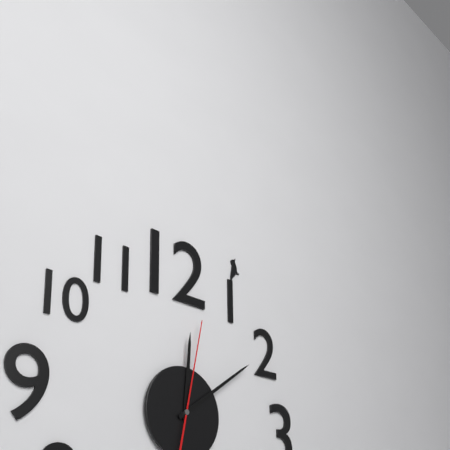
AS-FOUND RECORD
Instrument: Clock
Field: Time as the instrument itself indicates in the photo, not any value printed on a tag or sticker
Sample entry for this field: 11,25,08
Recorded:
12,09,02
